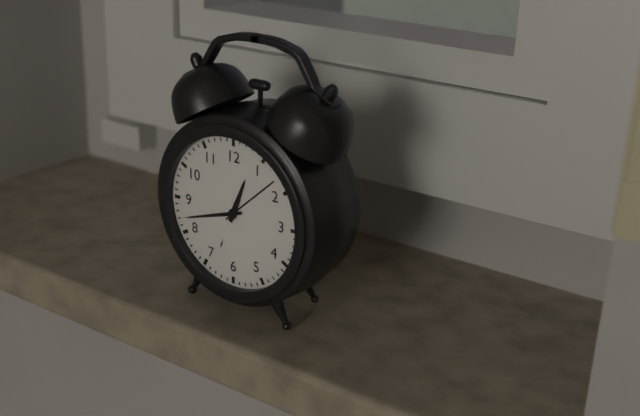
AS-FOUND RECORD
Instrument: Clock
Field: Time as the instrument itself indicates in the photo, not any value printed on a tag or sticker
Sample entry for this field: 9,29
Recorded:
12,42
